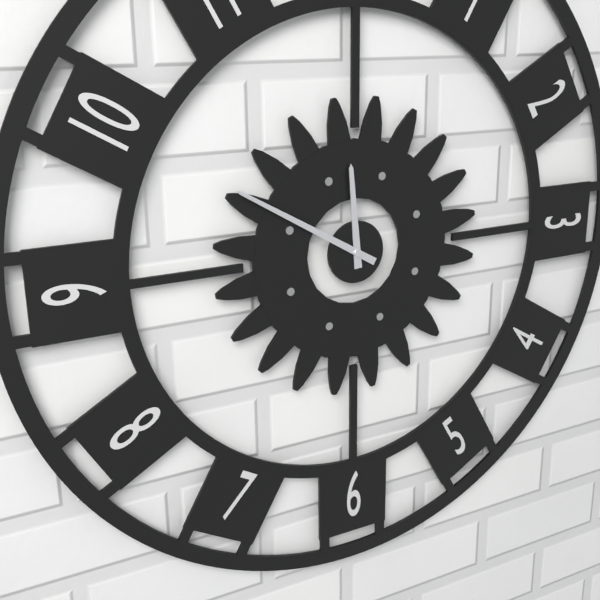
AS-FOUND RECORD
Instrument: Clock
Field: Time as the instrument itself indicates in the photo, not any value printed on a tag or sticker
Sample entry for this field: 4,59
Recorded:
11,50
